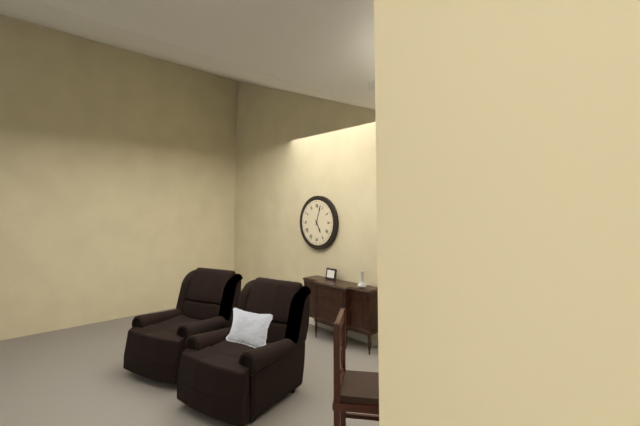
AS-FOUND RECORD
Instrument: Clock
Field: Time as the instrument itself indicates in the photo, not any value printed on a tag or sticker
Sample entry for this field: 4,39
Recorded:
5,03
